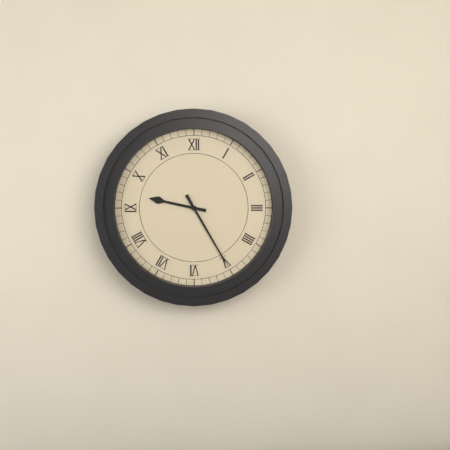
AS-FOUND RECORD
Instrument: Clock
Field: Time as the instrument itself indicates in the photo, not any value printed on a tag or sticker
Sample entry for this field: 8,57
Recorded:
9,25
